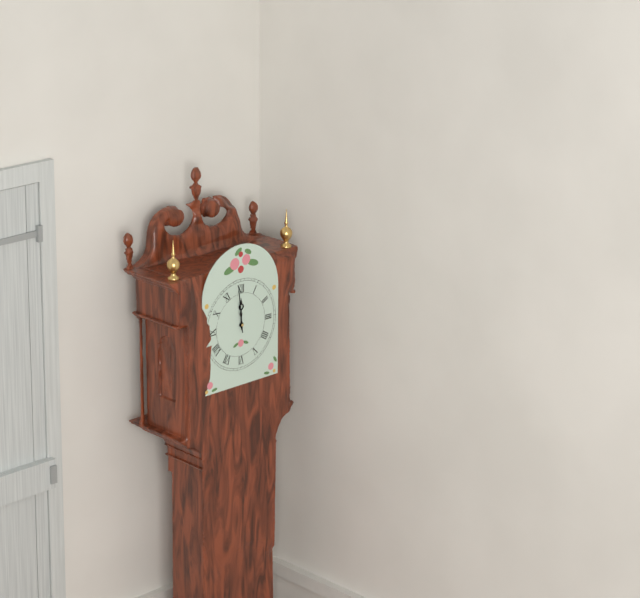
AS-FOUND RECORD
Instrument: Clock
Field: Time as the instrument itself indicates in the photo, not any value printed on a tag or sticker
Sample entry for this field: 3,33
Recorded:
11,59
